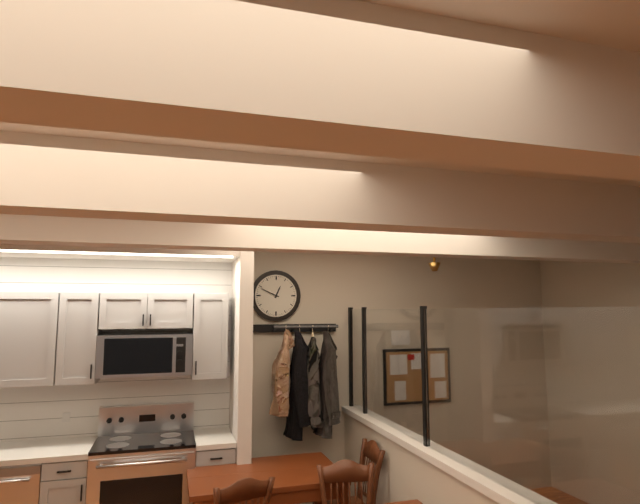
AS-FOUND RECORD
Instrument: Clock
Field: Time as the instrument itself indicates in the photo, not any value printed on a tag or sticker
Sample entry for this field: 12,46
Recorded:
12,49
